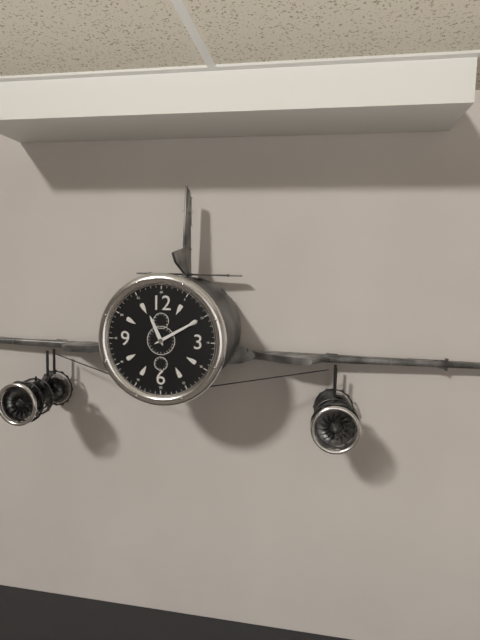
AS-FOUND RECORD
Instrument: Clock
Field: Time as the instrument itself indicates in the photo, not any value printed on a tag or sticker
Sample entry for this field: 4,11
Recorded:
11,10
